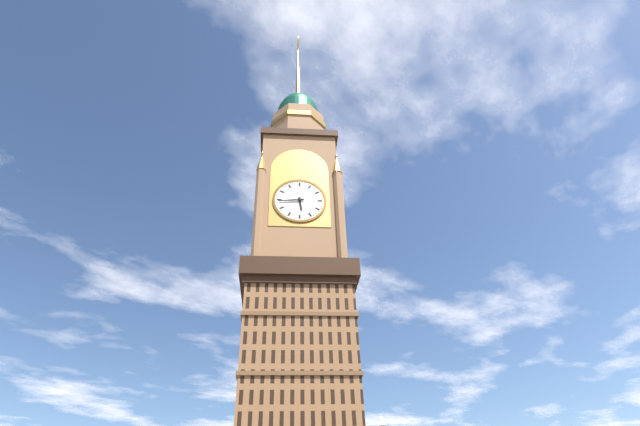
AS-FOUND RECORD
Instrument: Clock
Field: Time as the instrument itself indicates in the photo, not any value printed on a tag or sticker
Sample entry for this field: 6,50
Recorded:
5,44
